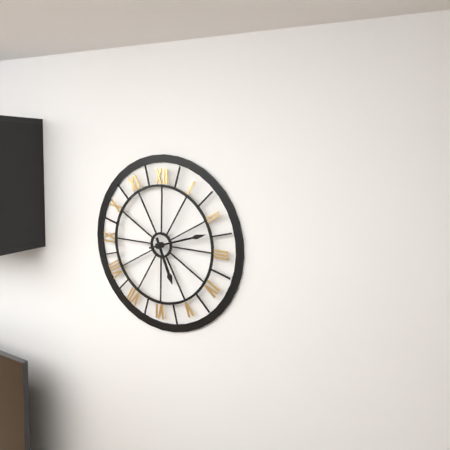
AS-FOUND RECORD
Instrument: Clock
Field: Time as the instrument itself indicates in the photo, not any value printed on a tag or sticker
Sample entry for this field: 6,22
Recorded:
5,12
